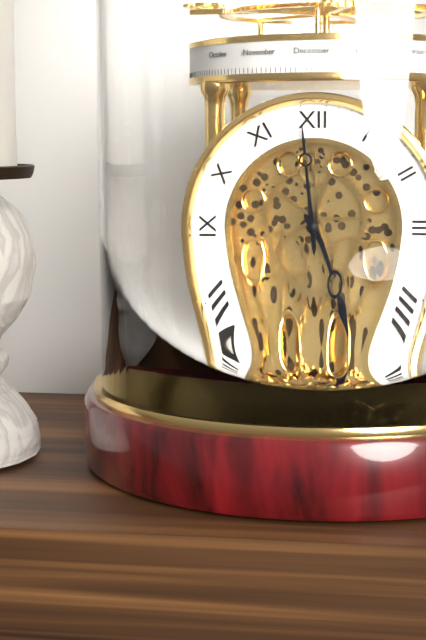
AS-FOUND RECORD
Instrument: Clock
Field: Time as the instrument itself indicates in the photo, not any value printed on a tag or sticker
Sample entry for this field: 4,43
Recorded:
4,59
